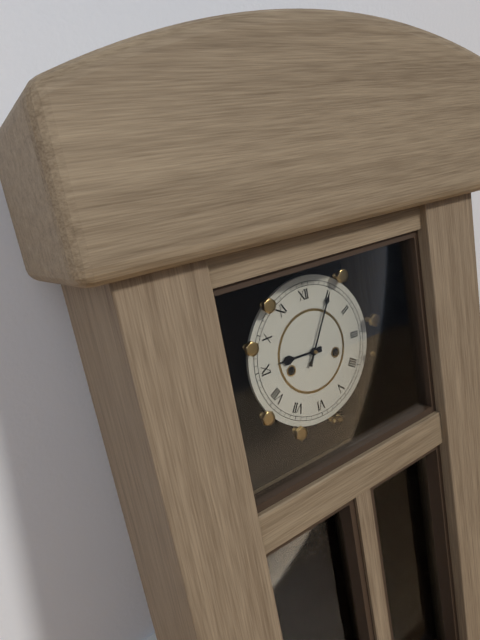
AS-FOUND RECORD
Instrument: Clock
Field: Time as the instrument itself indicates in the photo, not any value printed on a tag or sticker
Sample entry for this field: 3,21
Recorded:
9,05
